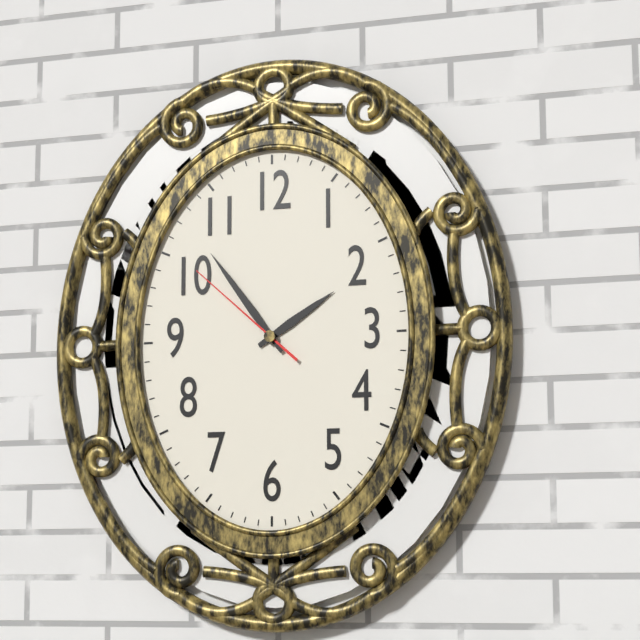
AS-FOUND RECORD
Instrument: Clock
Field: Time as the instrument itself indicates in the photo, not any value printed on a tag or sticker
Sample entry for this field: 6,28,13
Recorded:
1,54,52
